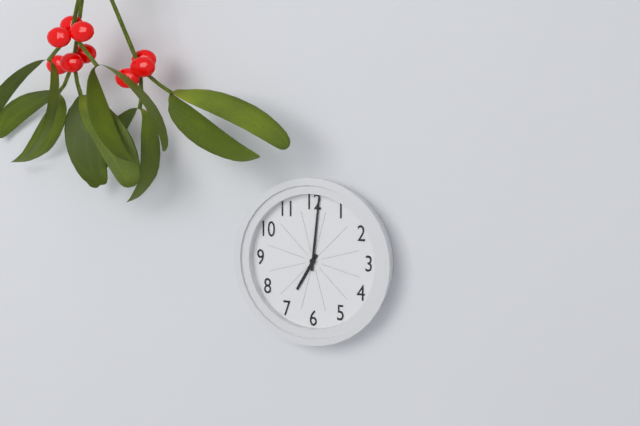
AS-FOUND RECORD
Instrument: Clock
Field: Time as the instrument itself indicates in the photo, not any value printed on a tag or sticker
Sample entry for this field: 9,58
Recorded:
7,01
